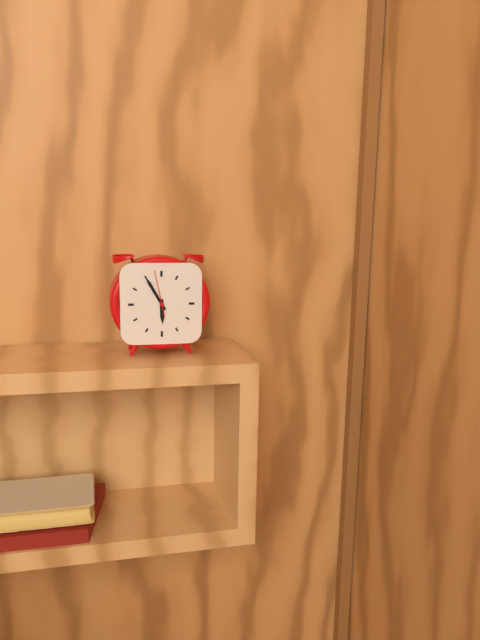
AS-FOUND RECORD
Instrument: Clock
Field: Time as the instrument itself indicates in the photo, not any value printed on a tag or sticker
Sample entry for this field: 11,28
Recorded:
5,55
